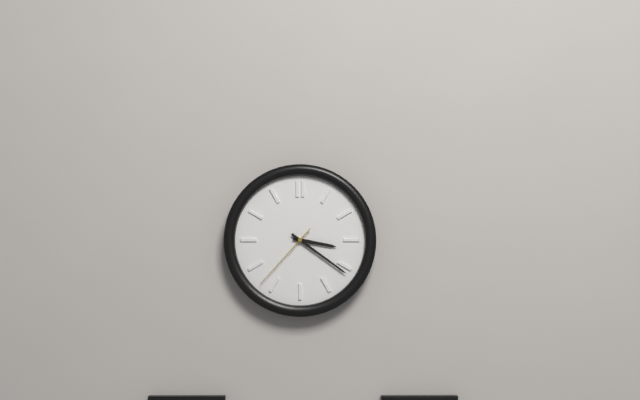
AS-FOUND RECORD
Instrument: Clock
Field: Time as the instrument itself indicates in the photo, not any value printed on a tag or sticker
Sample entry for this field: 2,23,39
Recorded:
3,21,37
